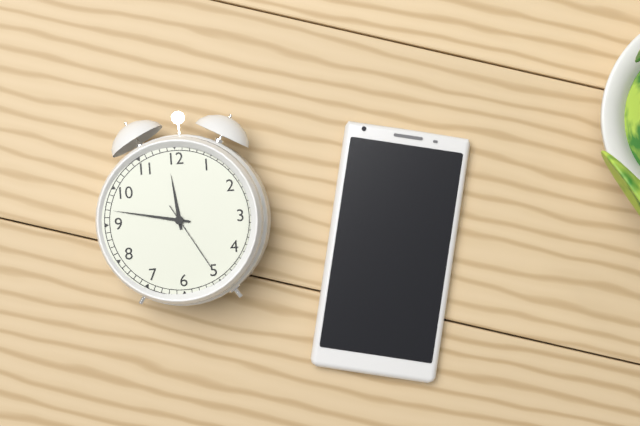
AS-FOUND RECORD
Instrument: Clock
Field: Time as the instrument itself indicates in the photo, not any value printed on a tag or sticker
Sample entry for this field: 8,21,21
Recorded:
11,47,25
